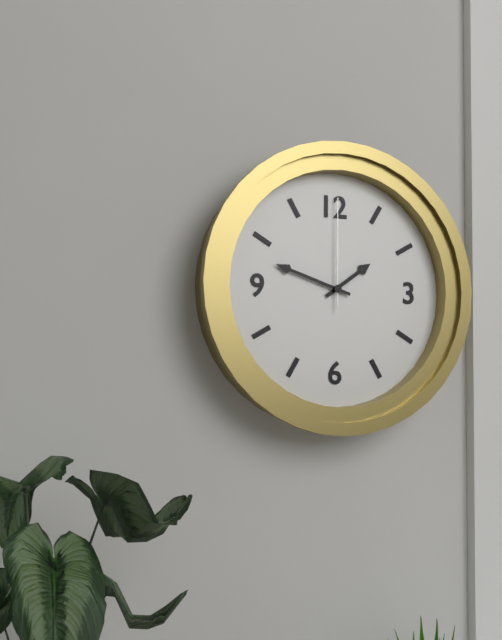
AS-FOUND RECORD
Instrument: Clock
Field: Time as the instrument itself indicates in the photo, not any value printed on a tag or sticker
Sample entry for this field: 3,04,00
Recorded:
1,48,00
